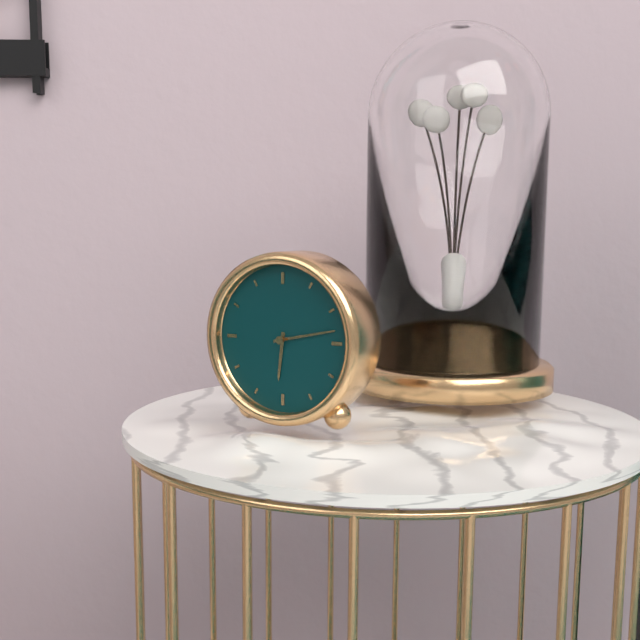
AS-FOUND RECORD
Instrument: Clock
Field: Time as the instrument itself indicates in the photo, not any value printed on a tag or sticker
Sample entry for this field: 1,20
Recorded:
6,13
